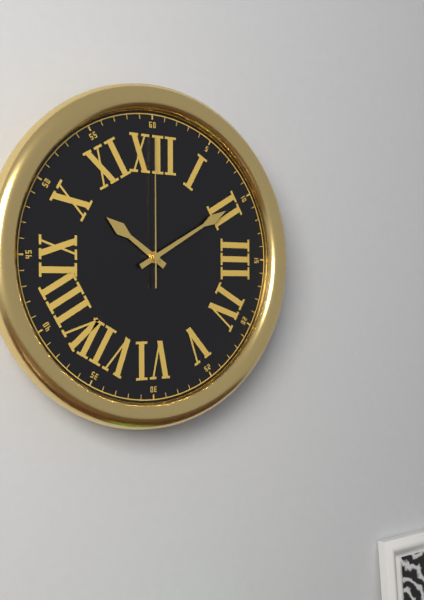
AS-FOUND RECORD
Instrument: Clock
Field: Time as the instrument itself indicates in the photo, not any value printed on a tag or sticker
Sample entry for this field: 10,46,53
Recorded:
10,10,00
